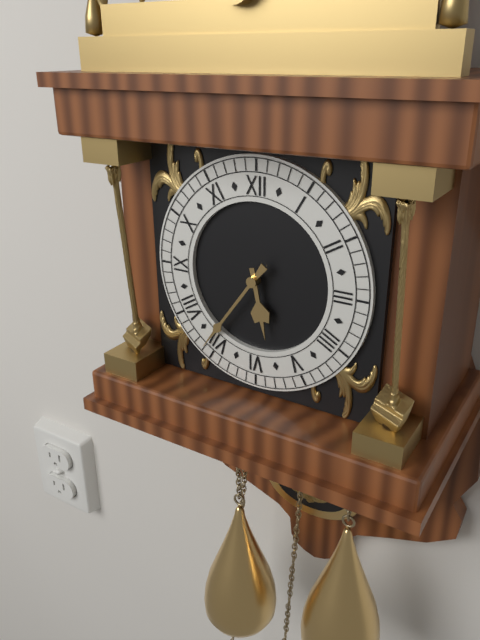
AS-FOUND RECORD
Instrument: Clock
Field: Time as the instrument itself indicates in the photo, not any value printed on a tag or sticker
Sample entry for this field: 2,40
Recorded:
5,36
